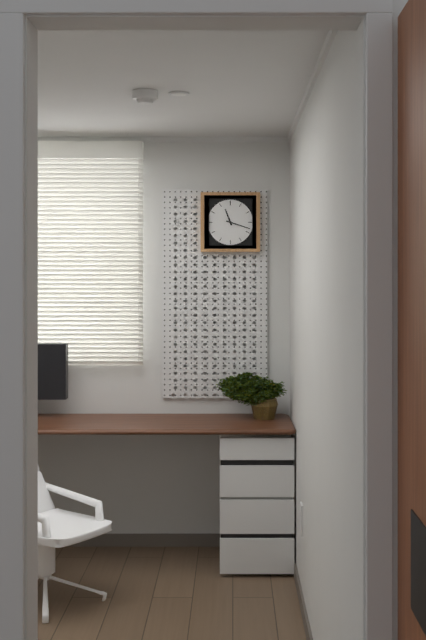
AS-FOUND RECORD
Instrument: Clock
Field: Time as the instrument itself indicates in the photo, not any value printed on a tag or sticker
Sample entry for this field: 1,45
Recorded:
11,18
